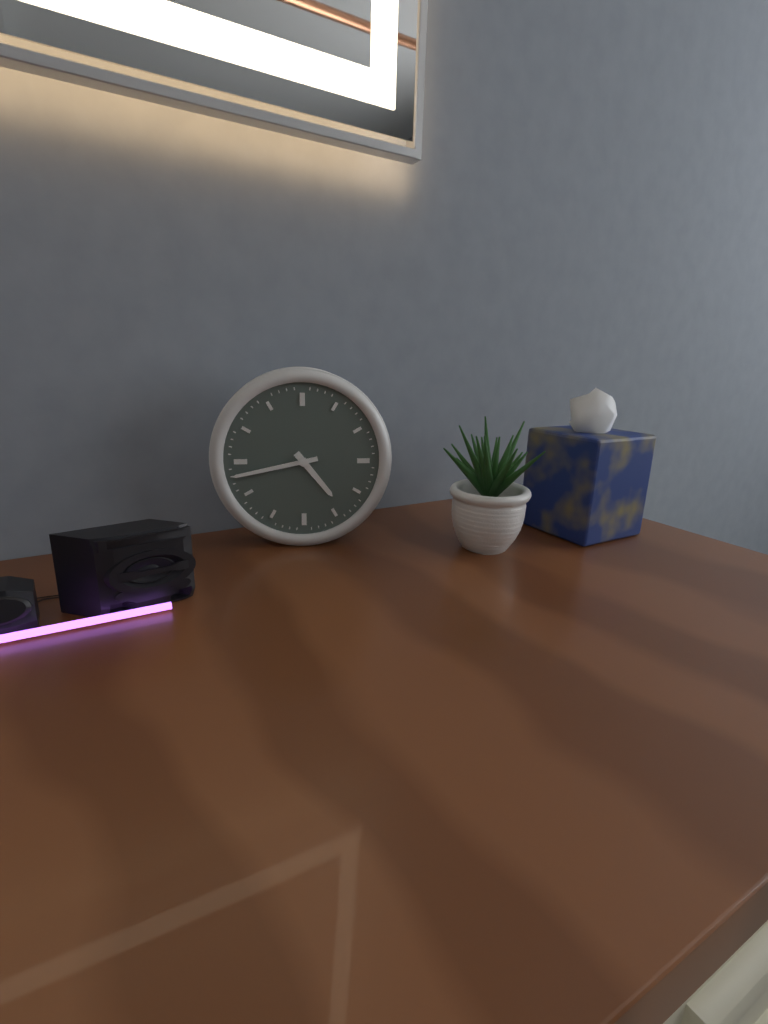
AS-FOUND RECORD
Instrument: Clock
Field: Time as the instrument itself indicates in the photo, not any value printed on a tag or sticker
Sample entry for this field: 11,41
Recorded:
4,43
